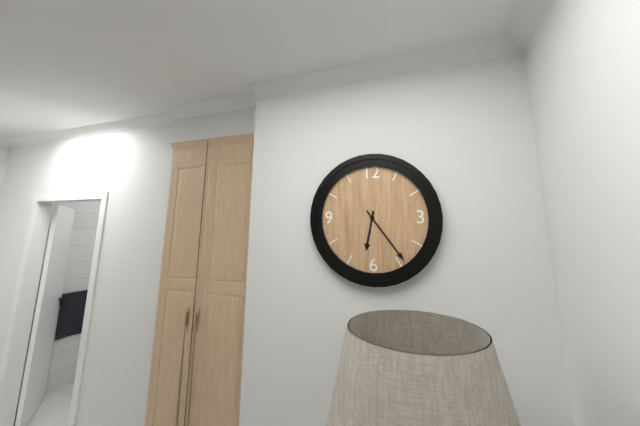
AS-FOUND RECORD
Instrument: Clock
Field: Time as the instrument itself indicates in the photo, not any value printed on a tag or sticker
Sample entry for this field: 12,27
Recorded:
6,24
